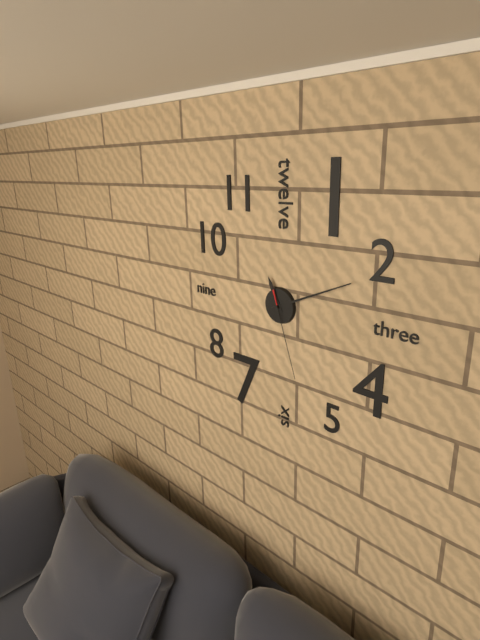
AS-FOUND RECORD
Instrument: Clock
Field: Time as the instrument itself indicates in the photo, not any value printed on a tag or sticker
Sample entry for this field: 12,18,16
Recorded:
11,11,27
